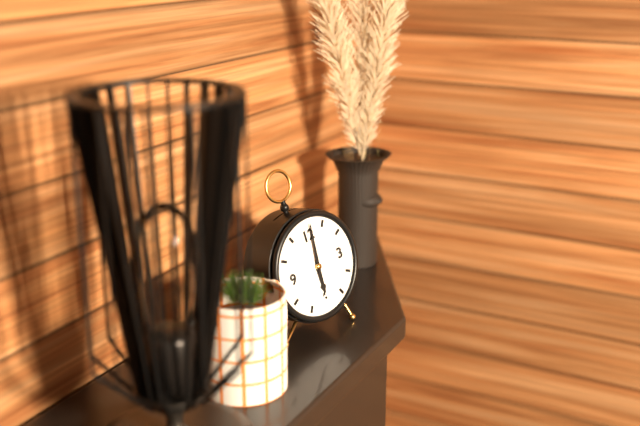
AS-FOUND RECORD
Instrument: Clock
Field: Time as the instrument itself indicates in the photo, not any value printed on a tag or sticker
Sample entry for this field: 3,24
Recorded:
6,01
